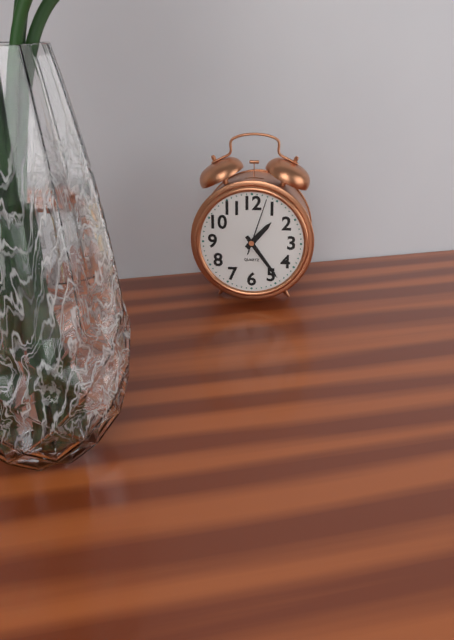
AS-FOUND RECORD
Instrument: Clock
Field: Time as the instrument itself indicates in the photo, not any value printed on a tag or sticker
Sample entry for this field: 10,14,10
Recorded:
1,24,03
